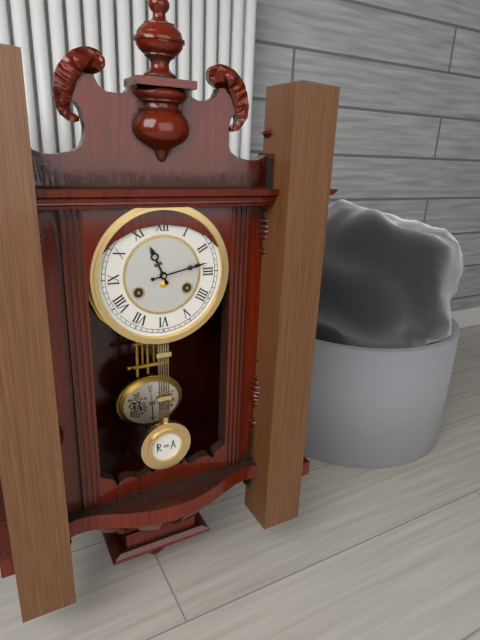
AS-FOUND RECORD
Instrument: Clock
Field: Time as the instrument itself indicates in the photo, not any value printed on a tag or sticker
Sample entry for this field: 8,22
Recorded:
11,13
